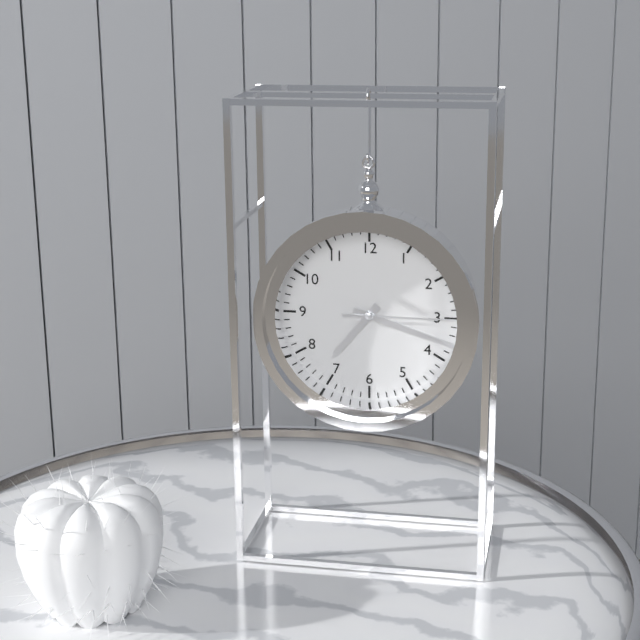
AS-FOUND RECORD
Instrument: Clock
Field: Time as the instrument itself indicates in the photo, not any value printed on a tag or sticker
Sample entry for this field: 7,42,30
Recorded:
7,18,15
